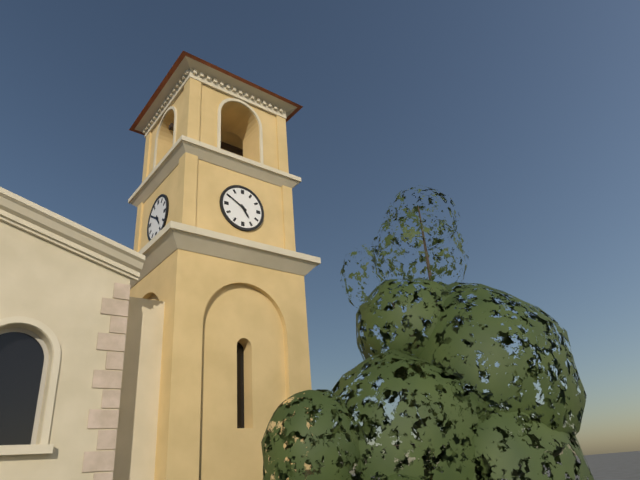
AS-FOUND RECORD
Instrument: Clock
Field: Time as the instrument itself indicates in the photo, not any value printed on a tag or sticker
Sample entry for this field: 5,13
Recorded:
4,50
